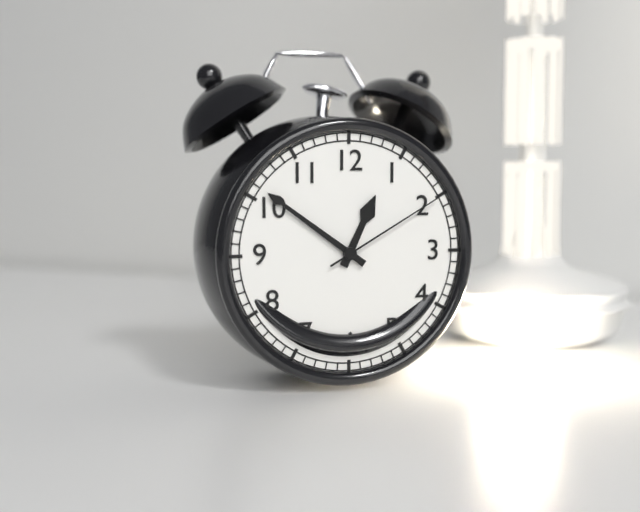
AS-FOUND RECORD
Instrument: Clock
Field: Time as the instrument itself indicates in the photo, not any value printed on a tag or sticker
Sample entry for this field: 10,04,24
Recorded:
12,51,10
